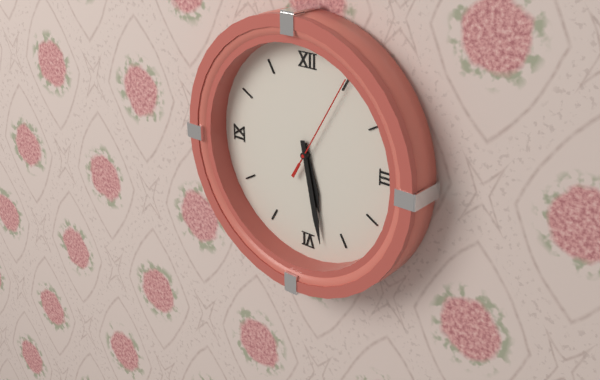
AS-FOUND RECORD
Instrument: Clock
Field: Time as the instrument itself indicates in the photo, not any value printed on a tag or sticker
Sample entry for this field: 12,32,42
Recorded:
5,28,05
